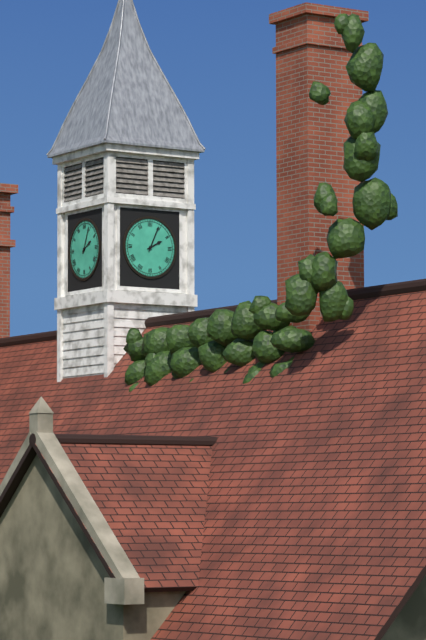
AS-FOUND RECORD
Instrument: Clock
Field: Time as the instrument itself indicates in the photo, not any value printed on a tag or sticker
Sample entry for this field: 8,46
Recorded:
2,04
